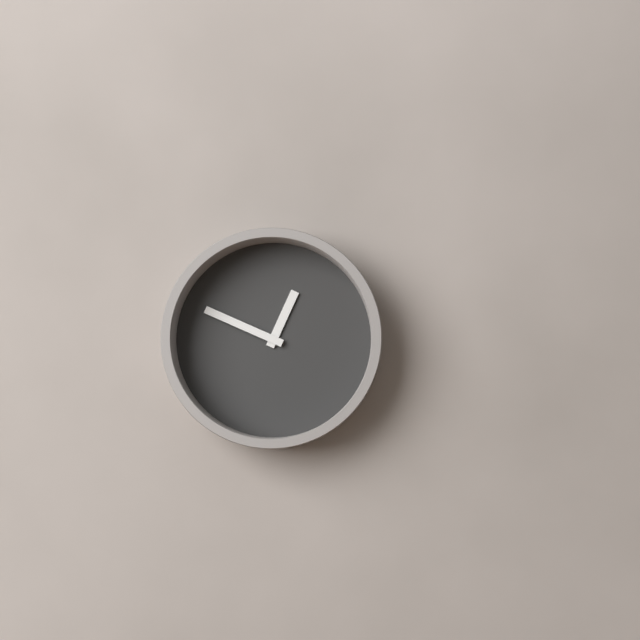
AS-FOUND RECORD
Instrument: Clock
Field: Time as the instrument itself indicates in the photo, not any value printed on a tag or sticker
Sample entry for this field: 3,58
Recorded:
12,49
